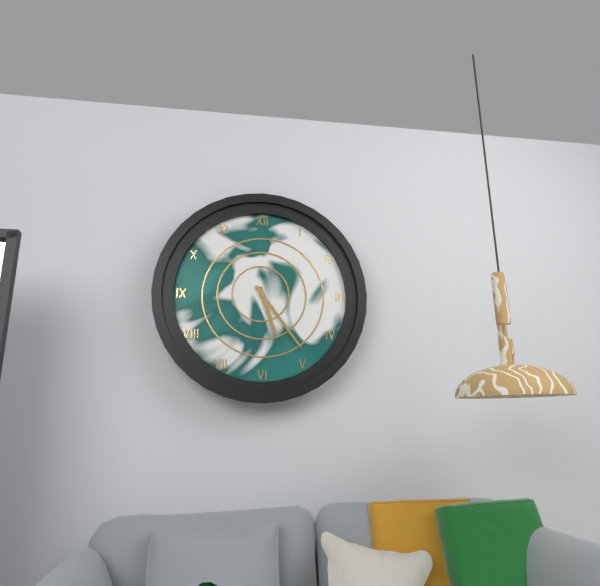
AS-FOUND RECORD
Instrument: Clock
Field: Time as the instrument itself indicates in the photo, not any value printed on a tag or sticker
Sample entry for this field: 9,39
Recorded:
5,24
